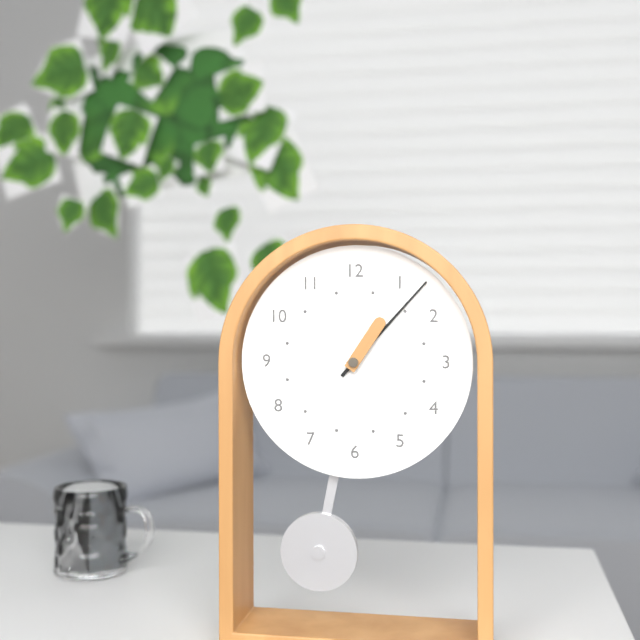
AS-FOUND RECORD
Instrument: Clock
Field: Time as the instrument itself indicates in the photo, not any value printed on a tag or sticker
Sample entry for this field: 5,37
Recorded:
1,07
